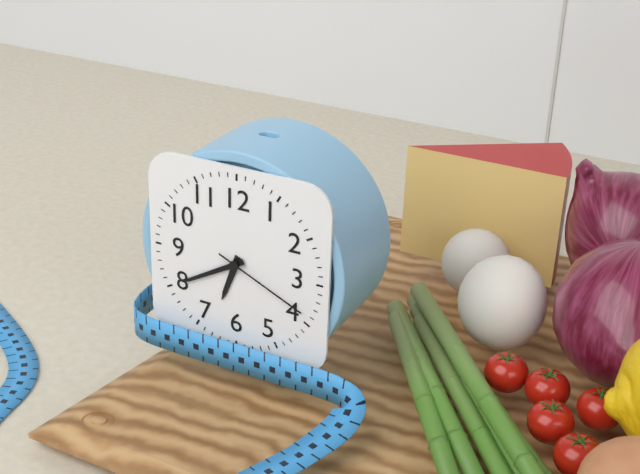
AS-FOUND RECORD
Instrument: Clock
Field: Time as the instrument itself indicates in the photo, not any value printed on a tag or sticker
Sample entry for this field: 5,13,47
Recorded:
6,40,19
